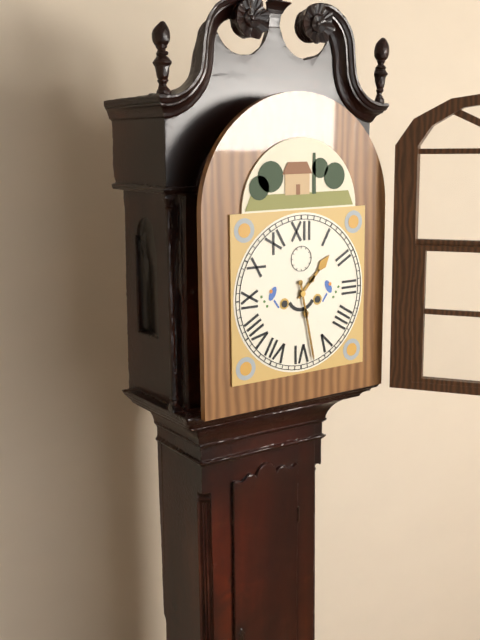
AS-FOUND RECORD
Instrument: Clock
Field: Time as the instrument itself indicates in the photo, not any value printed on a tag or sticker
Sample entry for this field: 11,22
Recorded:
1,28
